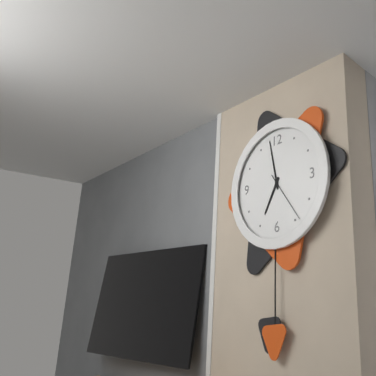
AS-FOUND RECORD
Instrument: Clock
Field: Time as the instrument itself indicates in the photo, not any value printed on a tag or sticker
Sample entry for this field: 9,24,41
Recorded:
6,58,24
